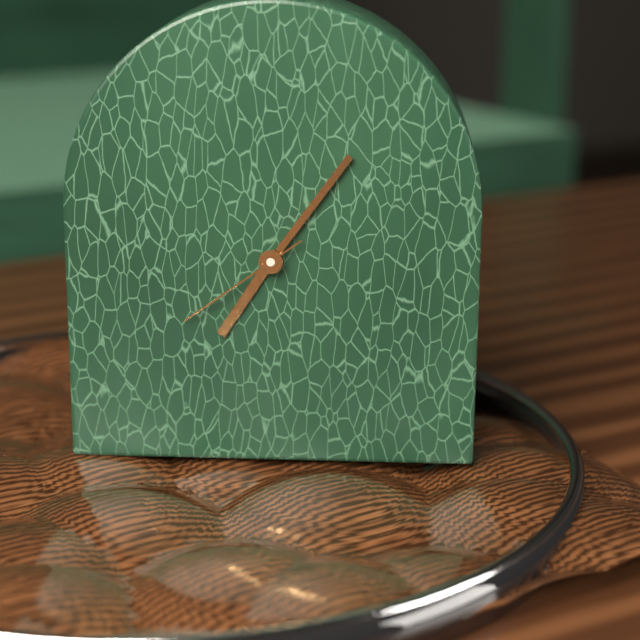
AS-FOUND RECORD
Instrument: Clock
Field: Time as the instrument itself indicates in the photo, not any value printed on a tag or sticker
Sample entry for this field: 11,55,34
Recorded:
7,06,39
